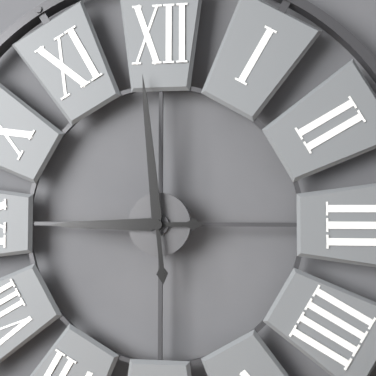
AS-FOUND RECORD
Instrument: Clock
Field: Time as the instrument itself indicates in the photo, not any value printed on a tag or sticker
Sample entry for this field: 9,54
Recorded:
8,59
